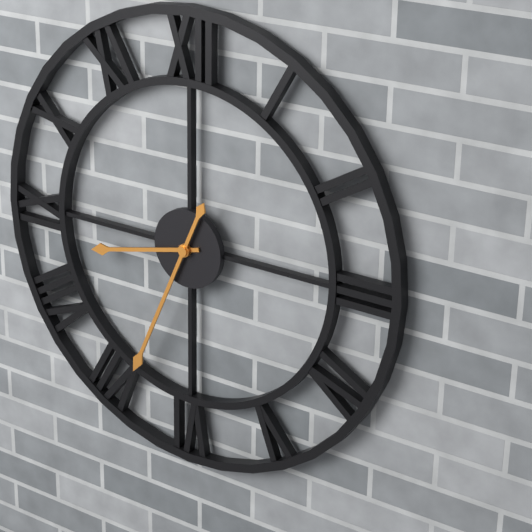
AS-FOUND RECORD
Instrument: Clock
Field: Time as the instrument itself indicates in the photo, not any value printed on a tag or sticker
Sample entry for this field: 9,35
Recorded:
8,34
